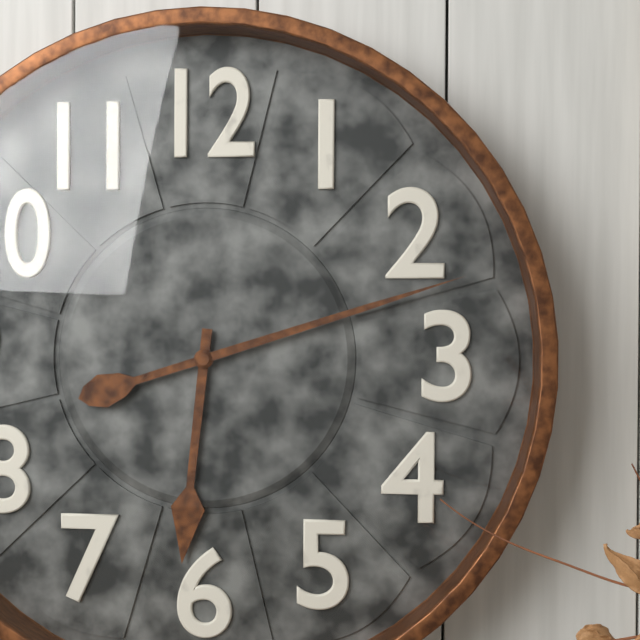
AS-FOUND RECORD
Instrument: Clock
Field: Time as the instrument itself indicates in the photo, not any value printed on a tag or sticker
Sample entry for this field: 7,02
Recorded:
6,12
